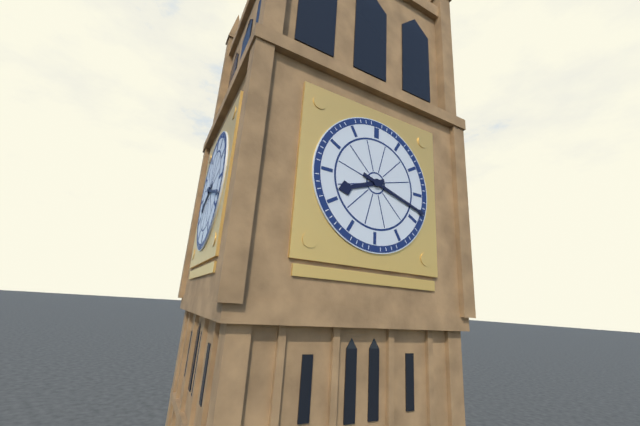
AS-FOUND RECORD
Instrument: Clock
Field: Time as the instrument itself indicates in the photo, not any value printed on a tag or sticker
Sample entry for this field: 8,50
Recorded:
8,18
